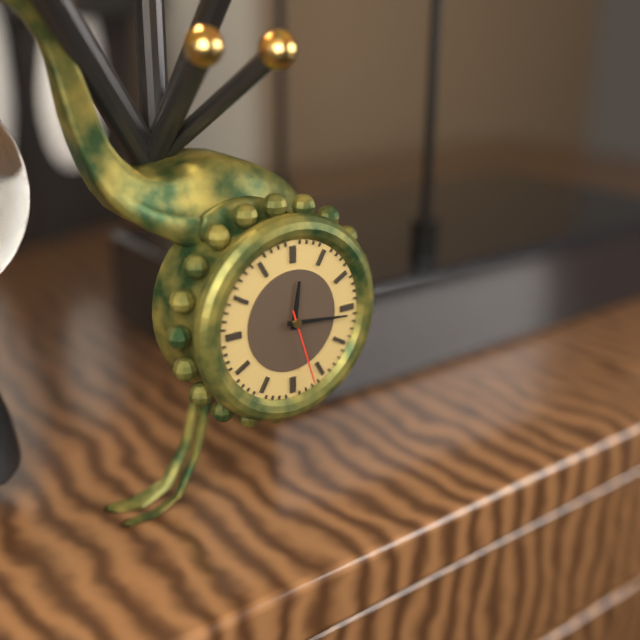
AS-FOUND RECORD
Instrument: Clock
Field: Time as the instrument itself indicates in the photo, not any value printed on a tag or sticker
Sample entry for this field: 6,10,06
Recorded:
12,16,27
